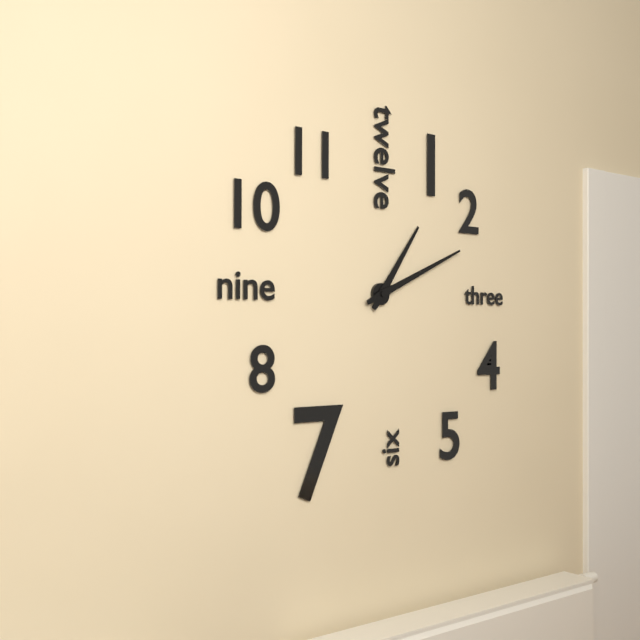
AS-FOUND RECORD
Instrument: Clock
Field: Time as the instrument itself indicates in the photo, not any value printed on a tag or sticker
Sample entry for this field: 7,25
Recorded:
1,11
